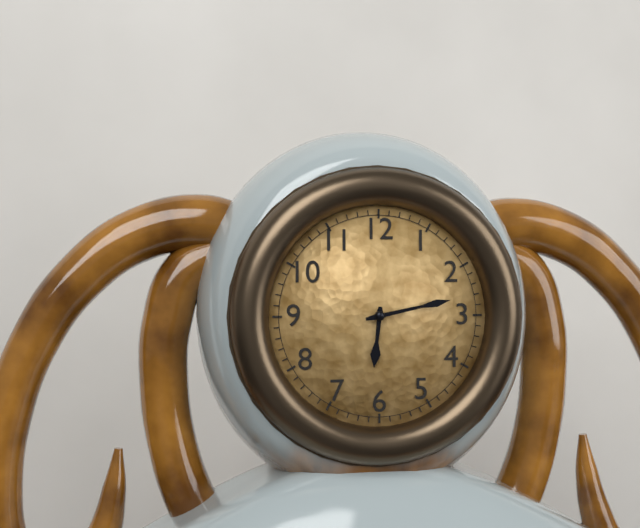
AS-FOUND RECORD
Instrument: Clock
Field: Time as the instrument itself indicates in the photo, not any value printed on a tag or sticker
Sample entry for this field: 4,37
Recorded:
6,13
